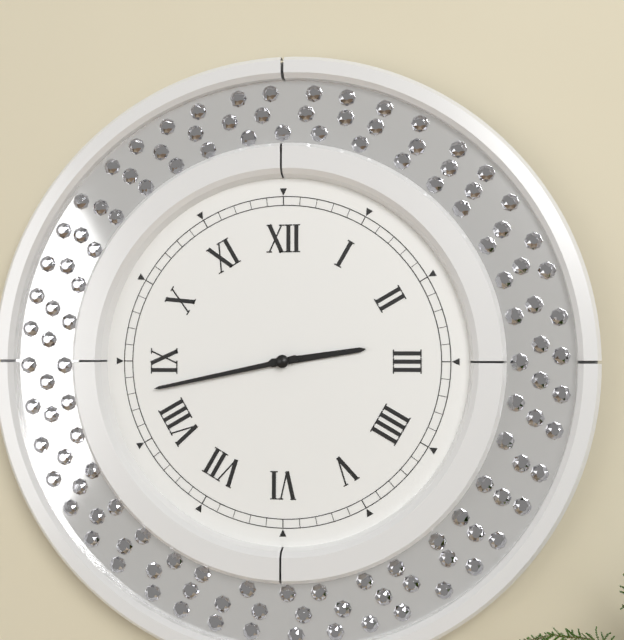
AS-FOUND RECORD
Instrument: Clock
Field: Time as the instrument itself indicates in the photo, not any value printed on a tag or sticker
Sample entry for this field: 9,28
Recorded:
2,43
